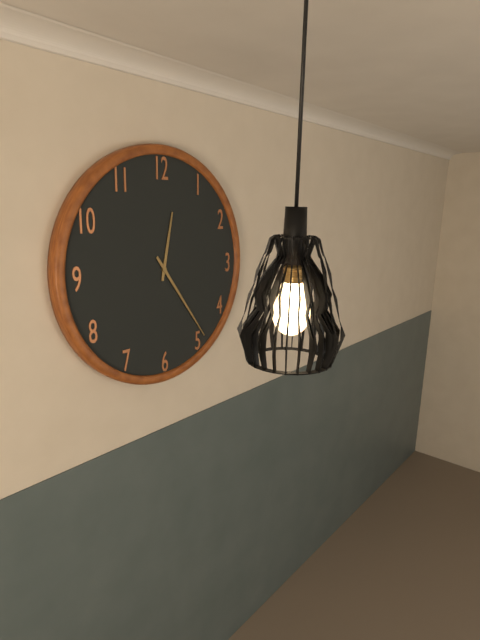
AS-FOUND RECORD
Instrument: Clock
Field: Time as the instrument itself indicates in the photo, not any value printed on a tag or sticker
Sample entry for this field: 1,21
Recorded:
12,24
